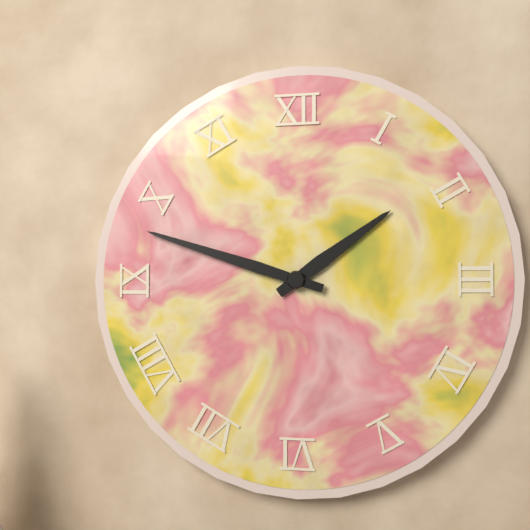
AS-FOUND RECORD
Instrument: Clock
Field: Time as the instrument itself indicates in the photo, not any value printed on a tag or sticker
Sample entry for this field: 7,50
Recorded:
1,48
